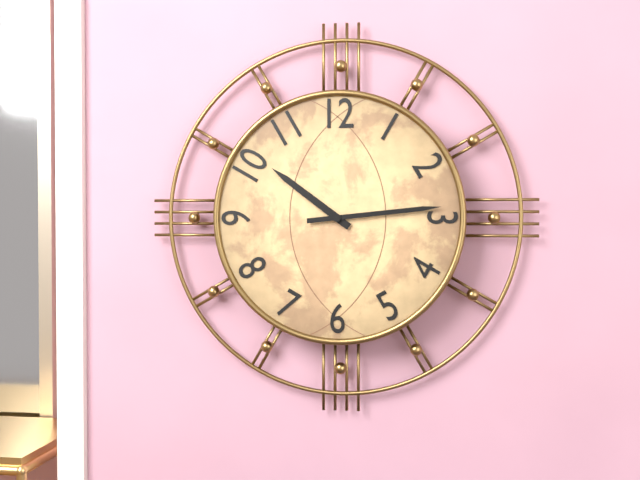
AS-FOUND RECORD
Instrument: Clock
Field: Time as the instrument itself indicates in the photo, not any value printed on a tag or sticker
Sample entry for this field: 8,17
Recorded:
10,14
